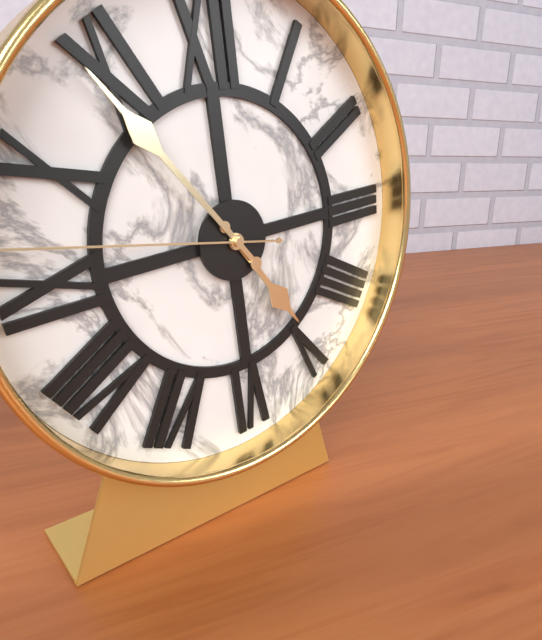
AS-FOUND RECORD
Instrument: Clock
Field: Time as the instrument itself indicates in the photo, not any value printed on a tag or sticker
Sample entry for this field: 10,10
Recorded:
4,54
